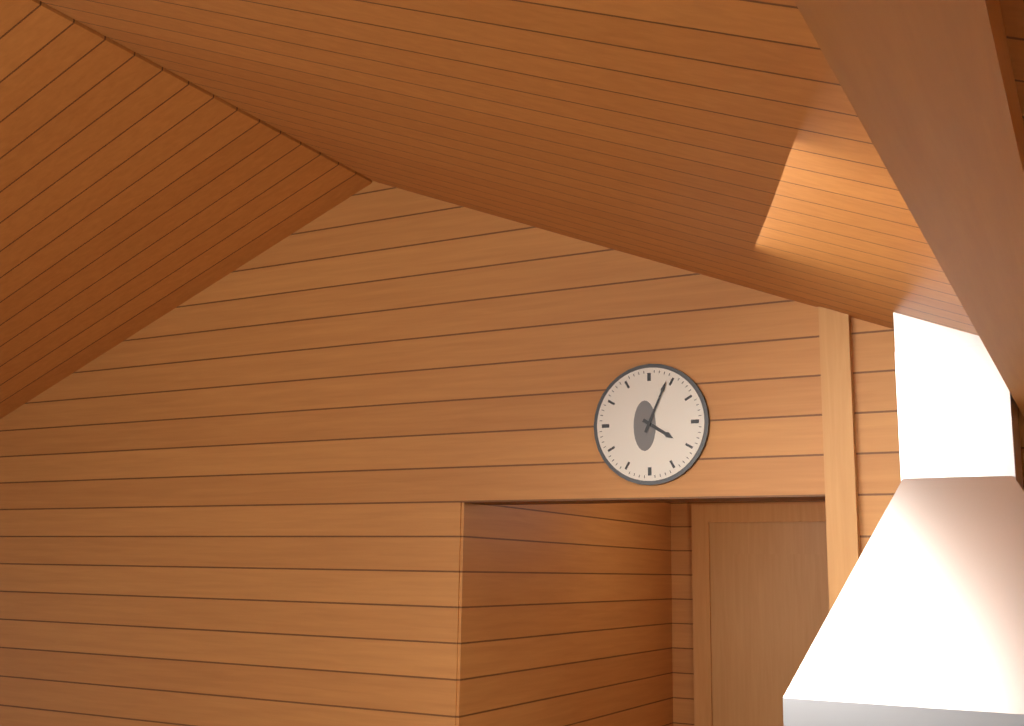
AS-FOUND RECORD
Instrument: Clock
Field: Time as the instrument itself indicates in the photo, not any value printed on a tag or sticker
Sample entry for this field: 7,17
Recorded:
4,04
